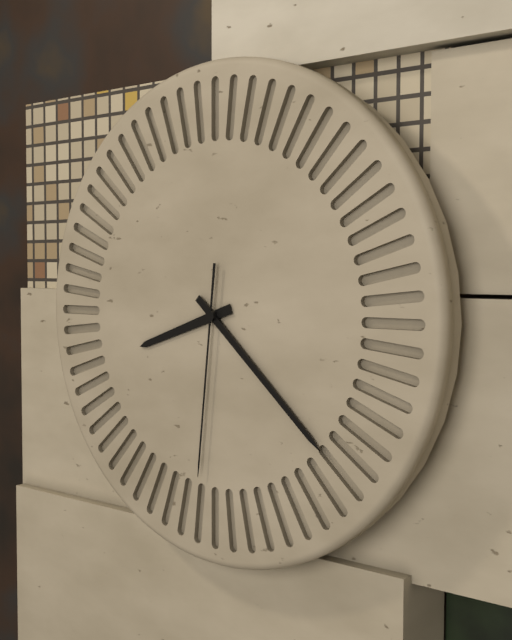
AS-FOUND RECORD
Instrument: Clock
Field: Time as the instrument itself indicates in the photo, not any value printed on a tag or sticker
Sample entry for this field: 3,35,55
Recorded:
8,22,31
